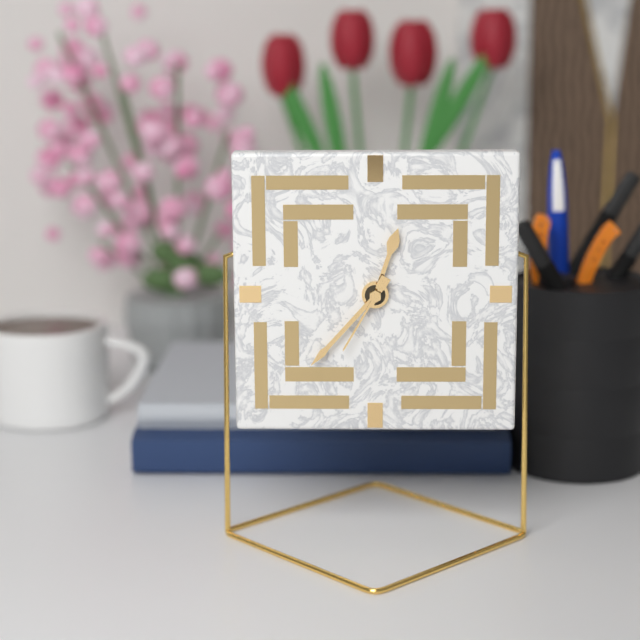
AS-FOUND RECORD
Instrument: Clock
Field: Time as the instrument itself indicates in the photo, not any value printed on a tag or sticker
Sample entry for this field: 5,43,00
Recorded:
12,37,35
